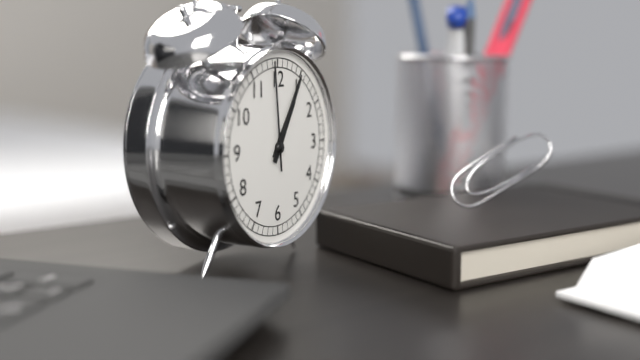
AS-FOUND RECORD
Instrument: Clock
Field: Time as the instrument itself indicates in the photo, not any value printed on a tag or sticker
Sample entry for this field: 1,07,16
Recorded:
1,05,59
